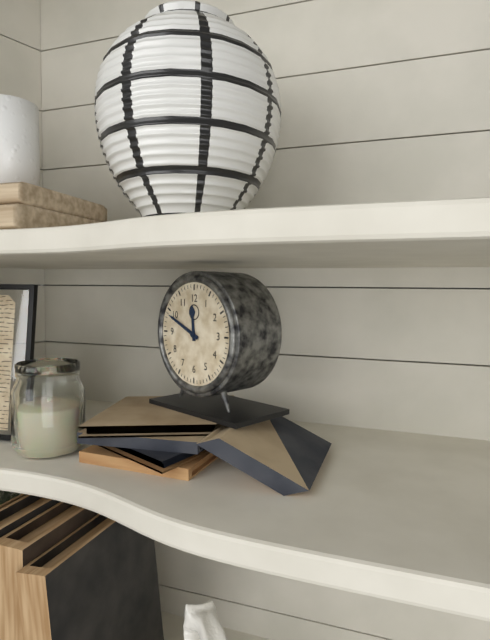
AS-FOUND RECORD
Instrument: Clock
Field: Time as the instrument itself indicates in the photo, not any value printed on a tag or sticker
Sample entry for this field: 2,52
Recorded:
11,49
